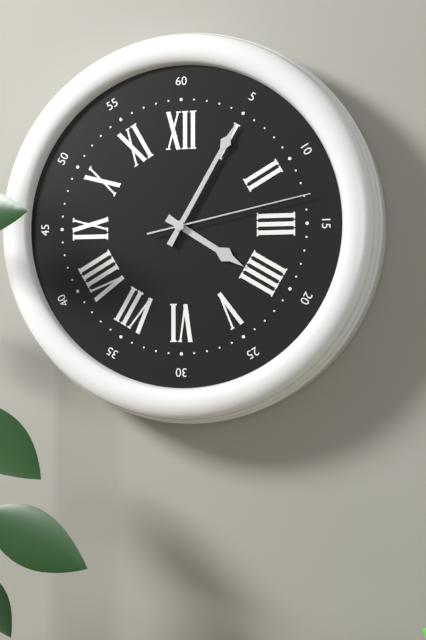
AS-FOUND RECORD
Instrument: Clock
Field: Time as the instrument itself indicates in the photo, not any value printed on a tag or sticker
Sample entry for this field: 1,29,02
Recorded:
4,05,13
